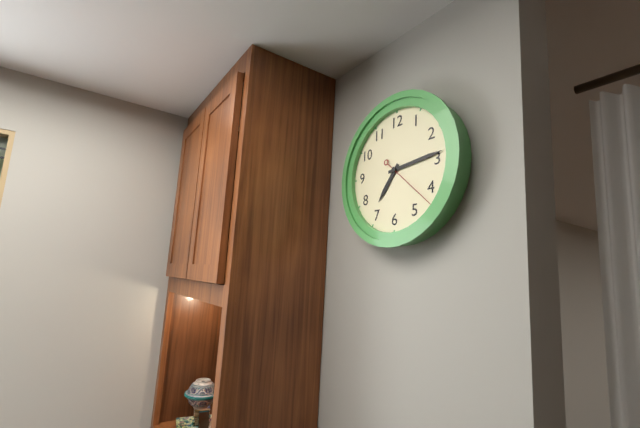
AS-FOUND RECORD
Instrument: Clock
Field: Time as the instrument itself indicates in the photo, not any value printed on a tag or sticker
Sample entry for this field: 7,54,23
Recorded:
7,14,22
